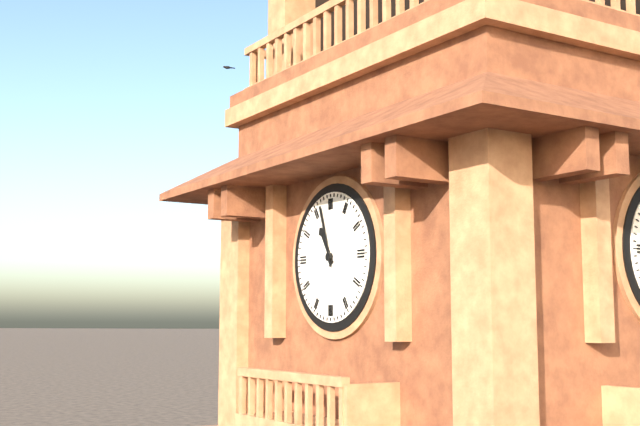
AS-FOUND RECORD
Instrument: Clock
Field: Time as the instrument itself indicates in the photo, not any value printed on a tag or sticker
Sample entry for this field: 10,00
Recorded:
10,57
